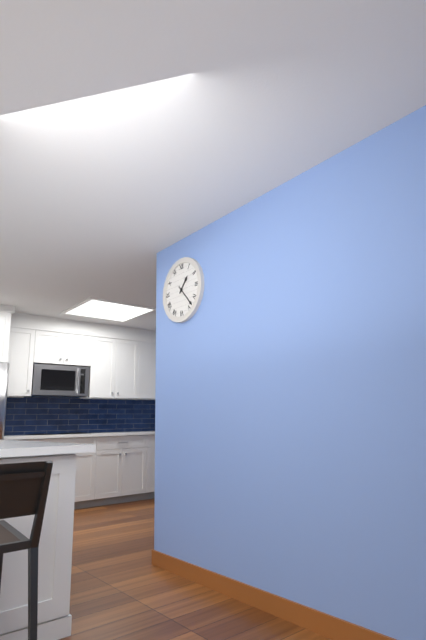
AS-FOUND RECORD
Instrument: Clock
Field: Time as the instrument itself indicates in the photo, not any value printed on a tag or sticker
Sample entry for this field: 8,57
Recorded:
1,23
